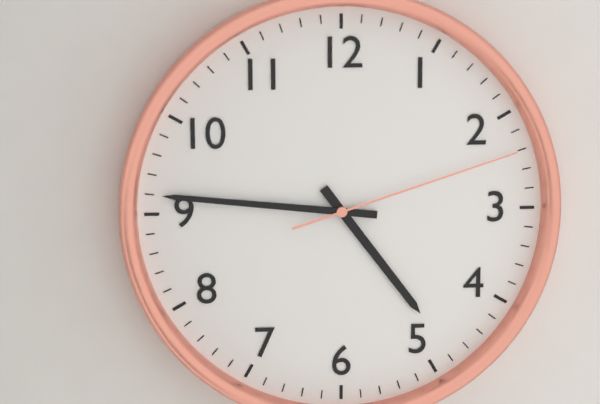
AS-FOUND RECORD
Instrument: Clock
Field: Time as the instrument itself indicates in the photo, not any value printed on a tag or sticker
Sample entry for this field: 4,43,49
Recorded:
4,46,12
